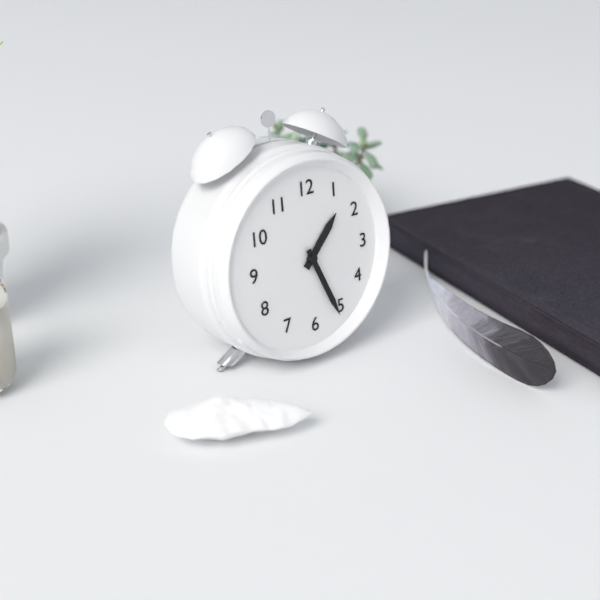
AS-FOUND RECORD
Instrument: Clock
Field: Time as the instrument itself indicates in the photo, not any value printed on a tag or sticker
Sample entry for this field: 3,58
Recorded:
1,26
